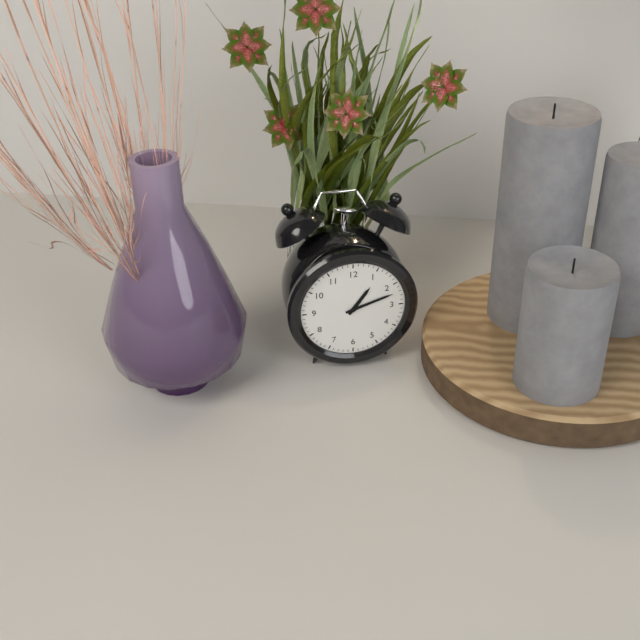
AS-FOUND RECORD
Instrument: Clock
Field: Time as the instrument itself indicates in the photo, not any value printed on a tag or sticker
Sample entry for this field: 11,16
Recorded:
1,12
